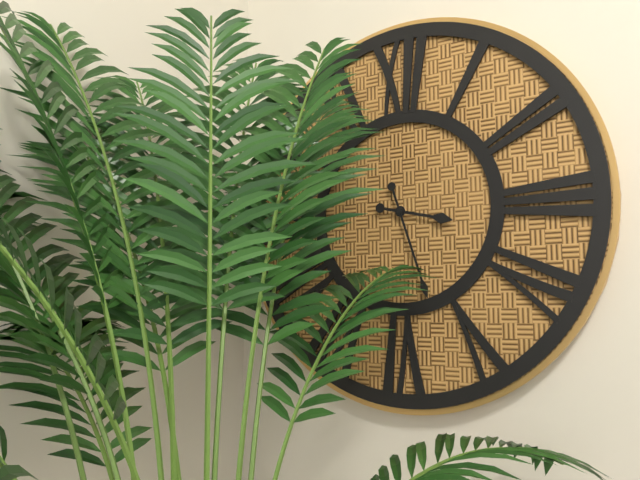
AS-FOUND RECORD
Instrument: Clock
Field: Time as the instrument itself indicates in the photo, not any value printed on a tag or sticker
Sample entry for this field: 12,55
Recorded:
3,27
